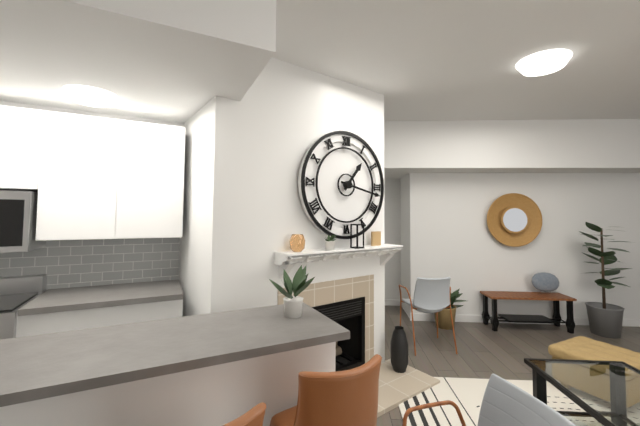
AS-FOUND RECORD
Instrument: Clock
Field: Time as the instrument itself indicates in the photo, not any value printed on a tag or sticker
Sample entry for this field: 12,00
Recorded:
1,17
